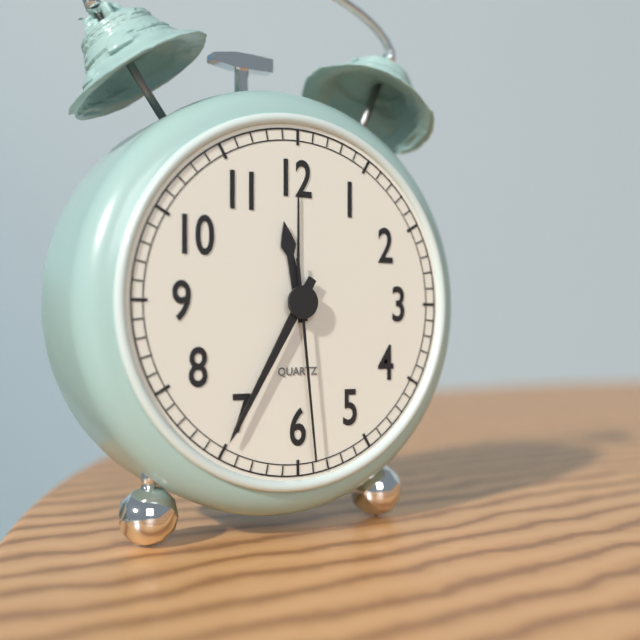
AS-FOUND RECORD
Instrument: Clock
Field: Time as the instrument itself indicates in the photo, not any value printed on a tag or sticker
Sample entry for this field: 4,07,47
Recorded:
11,35,29
